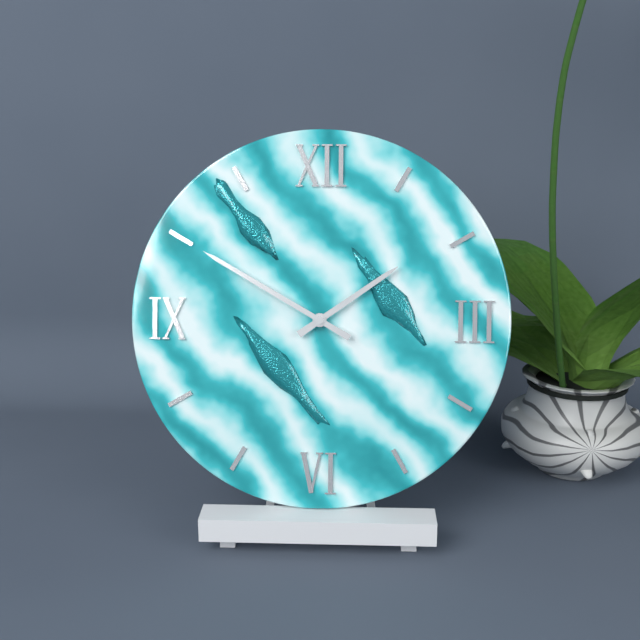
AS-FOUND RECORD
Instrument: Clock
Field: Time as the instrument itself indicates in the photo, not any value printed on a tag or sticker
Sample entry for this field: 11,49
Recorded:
1,50
